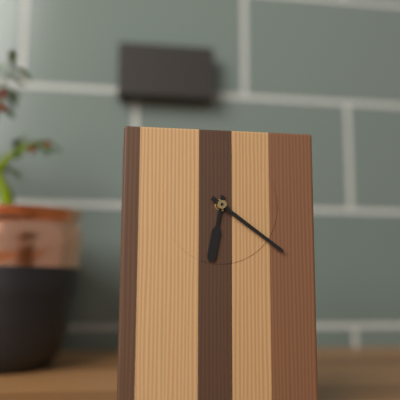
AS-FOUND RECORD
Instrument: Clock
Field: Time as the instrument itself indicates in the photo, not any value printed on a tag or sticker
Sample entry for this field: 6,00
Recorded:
6,21
